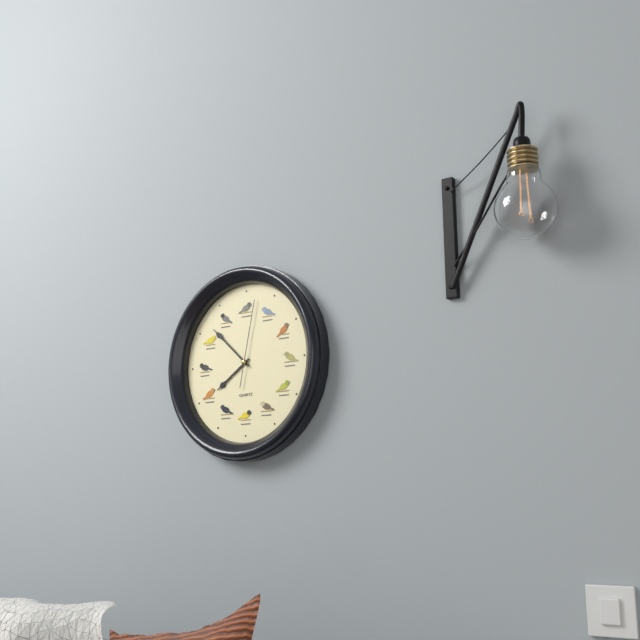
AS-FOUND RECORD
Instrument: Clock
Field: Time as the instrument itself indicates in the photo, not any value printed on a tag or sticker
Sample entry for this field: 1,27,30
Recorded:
7,52,02
